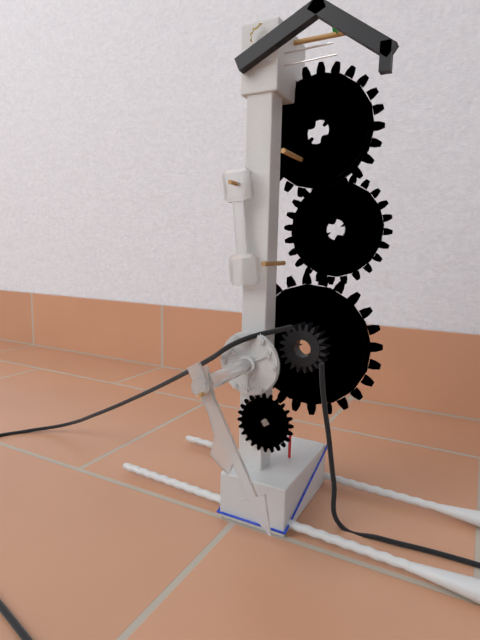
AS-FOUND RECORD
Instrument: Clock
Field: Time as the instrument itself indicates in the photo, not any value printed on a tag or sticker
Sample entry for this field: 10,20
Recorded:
5,25
